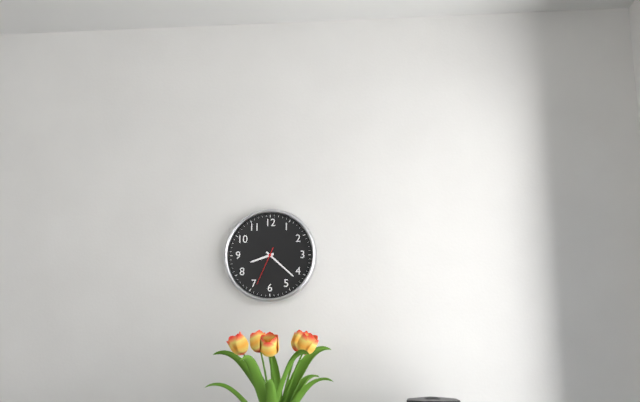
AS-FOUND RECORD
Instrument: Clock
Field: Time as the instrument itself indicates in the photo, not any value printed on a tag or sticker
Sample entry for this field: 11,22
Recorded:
8,22
